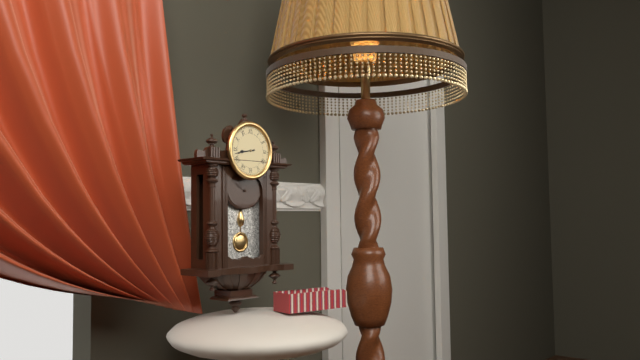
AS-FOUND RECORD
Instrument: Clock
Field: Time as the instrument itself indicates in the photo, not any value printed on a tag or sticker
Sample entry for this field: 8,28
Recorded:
8,43
